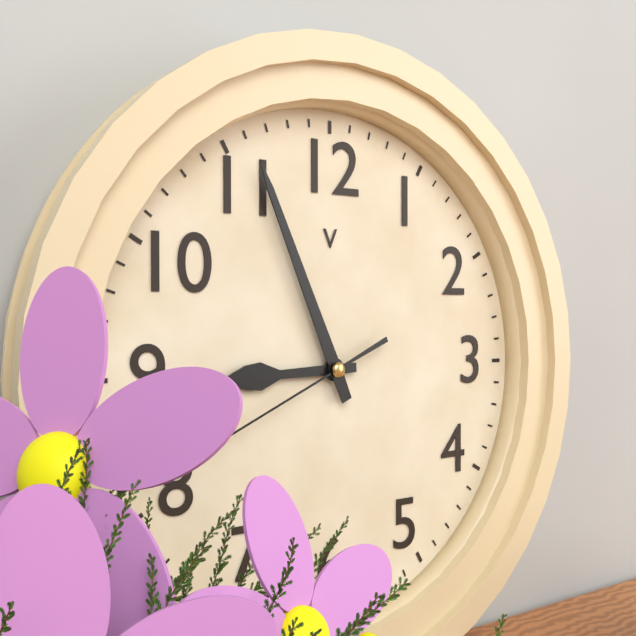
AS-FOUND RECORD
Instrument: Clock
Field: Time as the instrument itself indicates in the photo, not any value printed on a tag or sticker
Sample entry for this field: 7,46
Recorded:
8,56
